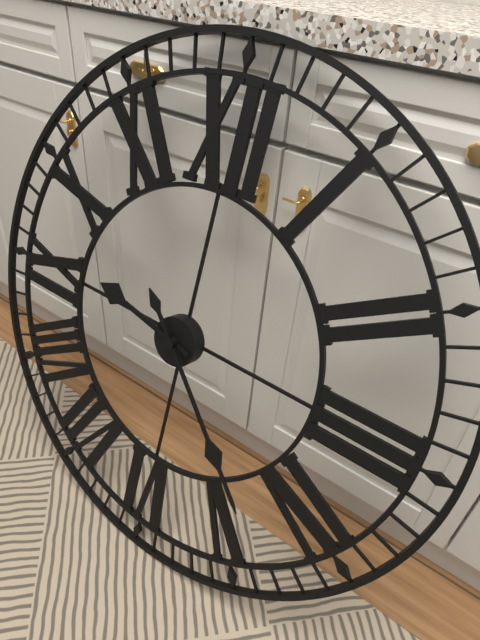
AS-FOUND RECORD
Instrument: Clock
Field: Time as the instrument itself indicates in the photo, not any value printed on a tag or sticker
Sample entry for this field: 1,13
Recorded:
9,23
